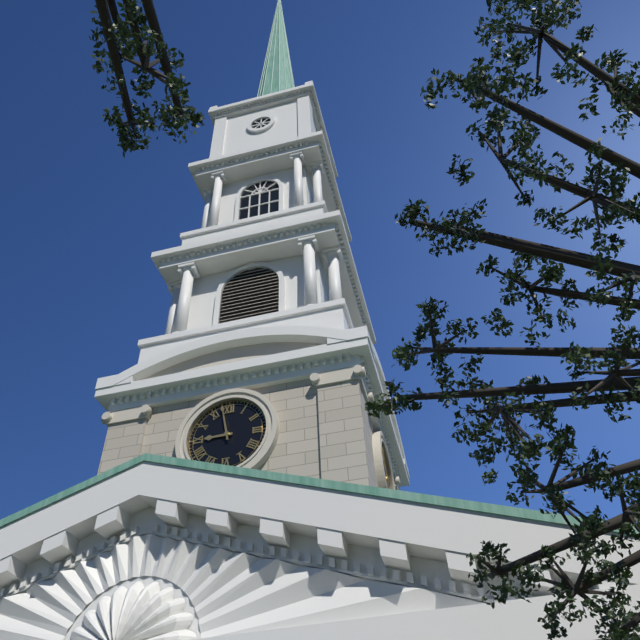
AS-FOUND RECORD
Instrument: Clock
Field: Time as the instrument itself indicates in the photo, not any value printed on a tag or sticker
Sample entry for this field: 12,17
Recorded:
8,58
